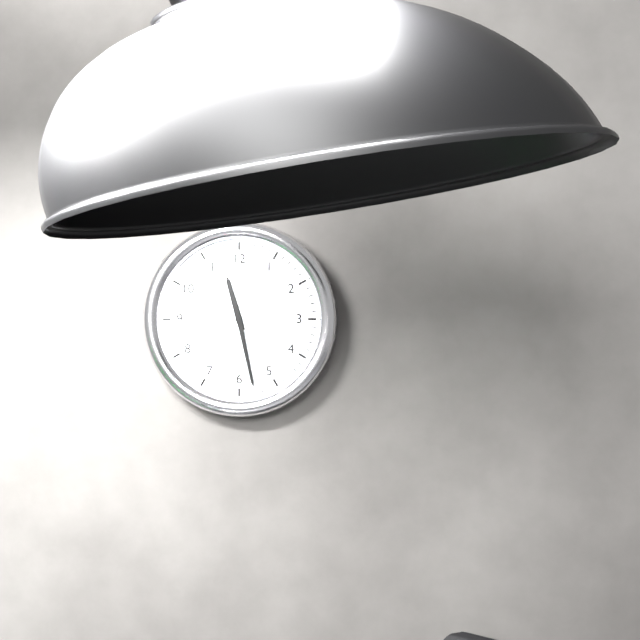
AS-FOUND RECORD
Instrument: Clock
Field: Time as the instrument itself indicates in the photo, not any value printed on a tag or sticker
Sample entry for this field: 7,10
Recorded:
11,28
